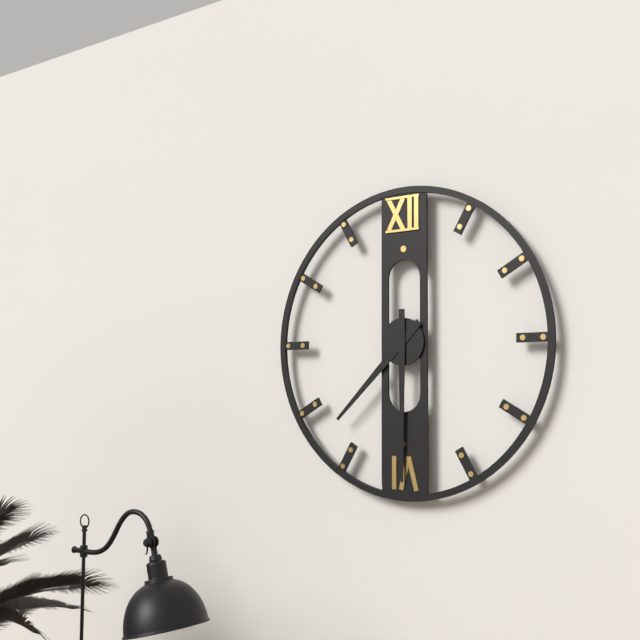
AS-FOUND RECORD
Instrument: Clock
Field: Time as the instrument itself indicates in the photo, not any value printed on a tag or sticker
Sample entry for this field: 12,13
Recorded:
7,30
